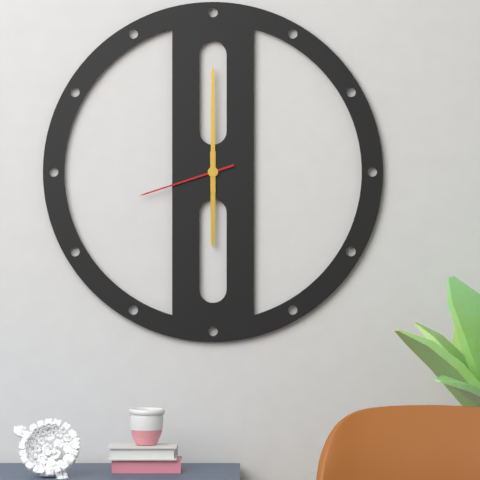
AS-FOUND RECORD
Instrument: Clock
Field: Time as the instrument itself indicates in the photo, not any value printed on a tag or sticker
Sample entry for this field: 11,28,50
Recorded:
6,00,42
